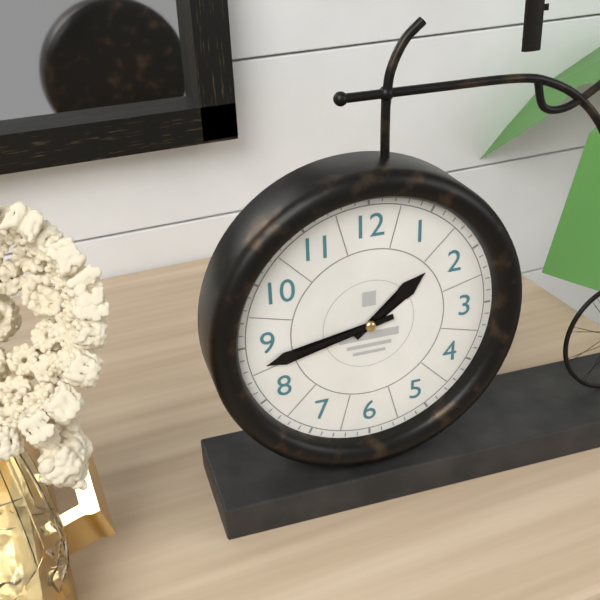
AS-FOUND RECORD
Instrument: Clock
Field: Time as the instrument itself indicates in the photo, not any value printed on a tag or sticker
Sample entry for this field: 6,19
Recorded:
1,43
